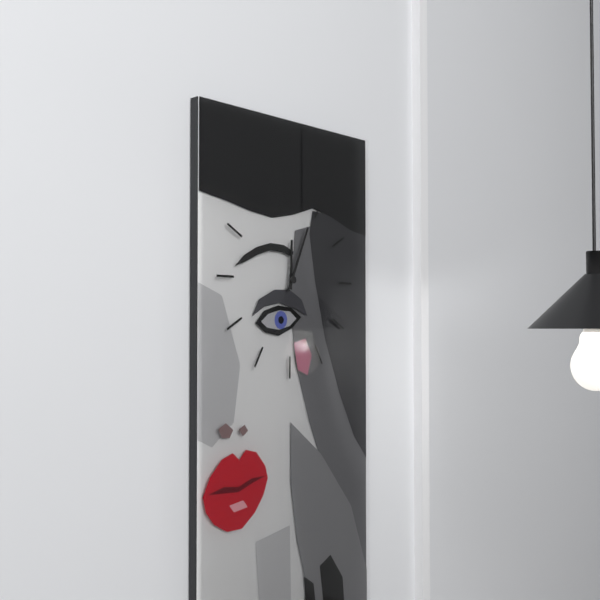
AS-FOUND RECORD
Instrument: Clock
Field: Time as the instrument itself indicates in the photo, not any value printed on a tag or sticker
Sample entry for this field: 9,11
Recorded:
12,04
